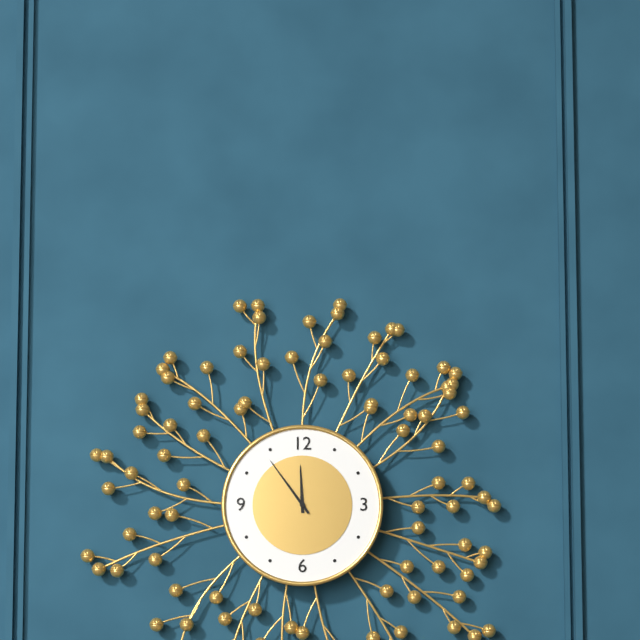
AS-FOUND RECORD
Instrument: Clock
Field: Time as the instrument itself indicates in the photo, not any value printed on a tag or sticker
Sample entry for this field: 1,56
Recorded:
11,54
